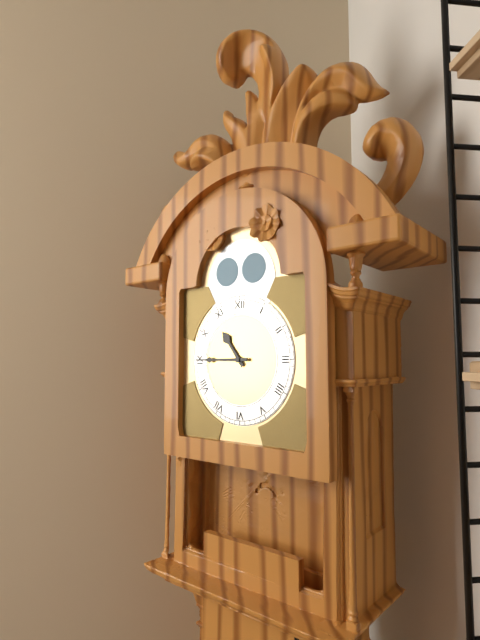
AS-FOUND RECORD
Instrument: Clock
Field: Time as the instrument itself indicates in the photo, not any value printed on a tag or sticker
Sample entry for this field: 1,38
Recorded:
10,45
